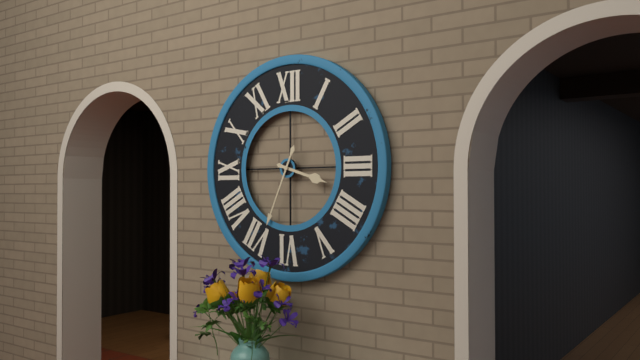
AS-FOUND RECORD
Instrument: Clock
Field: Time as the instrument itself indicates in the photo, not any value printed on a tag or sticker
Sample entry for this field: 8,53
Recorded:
3,34
